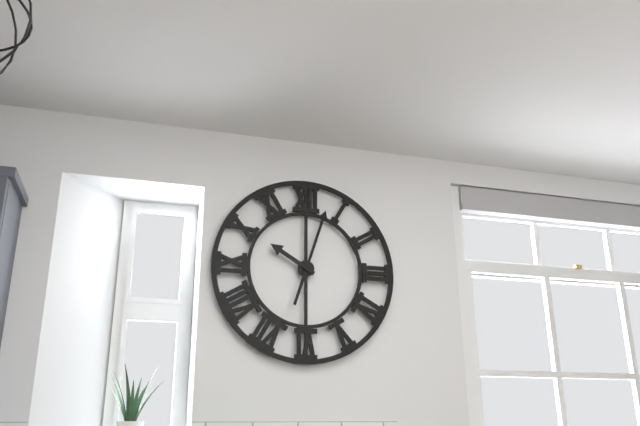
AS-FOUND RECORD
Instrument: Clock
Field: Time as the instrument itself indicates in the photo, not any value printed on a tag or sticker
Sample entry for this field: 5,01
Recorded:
10,03
